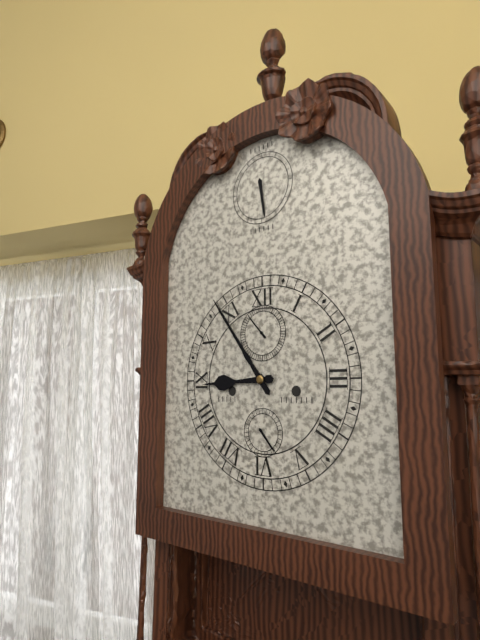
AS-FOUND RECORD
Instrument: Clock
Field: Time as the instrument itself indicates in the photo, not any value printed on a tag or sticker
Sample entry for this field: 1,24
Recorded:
8,54
